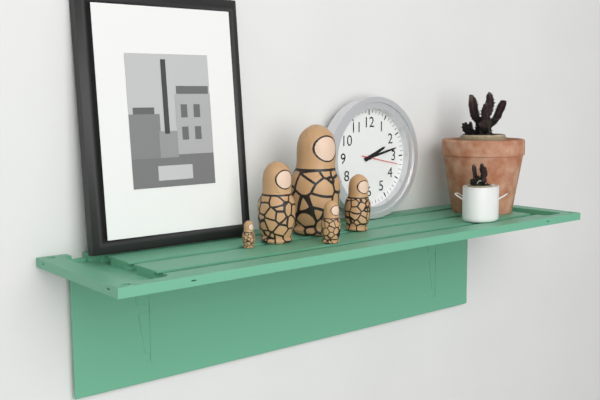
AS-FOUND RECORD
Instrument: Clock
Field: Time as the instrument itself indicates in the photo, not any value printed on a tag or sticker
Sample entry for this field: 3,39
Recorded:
2,13
